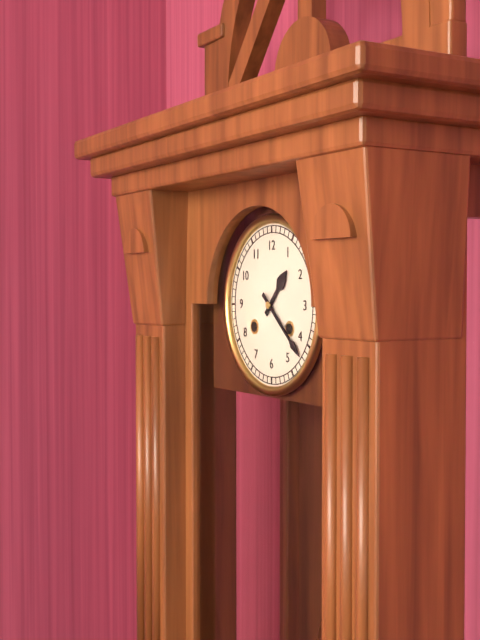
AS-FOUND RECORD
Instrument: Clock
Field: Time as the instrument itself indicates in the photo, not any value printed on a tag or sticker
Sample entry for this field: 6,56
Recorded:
1,22
